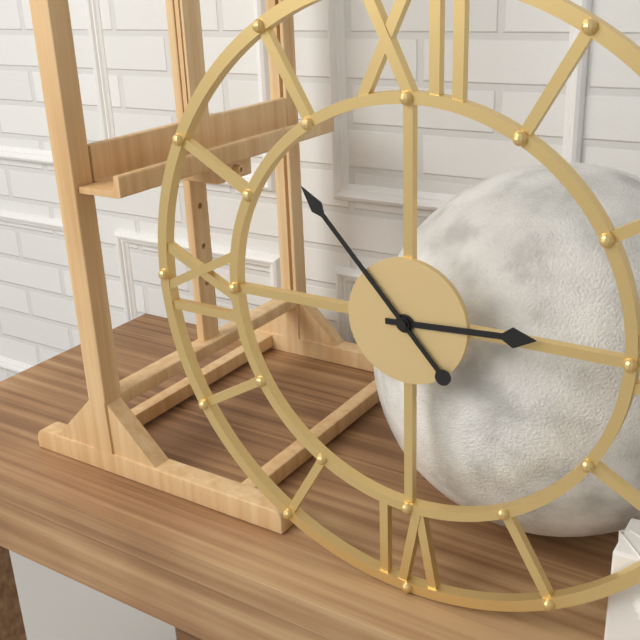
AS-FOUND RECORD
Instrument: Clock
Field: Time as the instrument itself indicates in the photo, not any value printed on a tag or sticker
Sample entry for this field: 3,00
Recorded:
2,53
